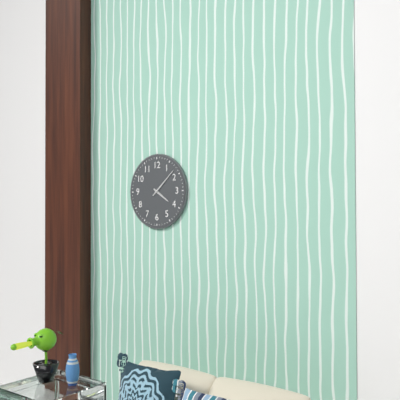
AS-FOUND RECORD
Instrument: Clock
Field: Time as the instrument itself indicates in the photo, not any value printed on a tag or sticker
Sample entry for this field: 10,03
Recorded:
4,08
